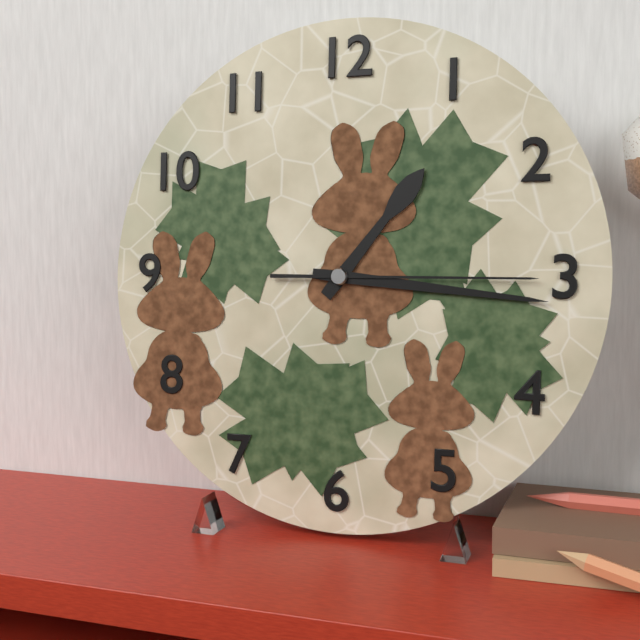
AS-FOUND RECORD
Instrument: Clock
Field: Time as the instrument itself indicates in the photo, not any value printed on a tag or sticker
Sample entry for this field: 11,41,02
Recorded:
1,16,15
